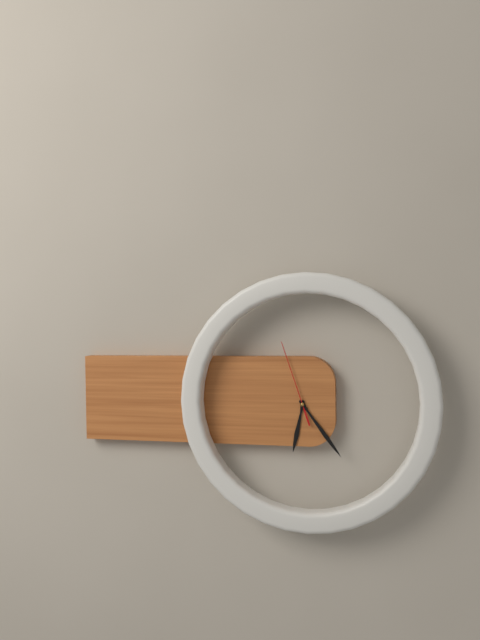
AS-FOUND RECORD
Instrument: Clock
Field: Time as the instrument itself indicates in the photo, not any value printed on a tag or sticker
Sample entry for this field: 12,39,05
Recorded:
6,24,57
